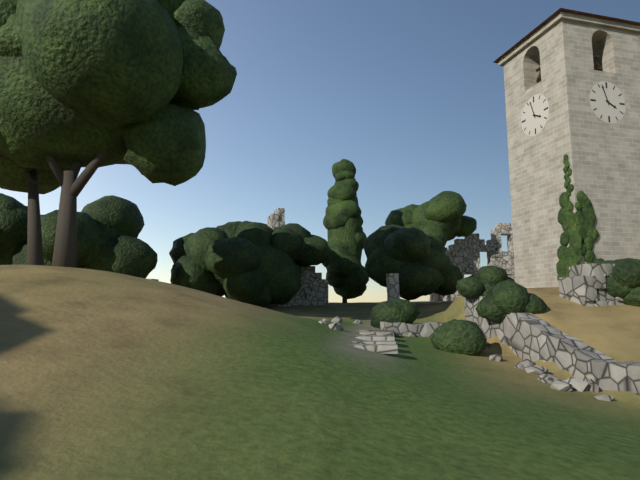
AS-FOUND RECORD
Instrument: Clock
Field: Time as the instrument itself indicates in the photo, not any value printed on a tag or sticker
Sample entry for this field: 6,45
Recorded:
3,57
